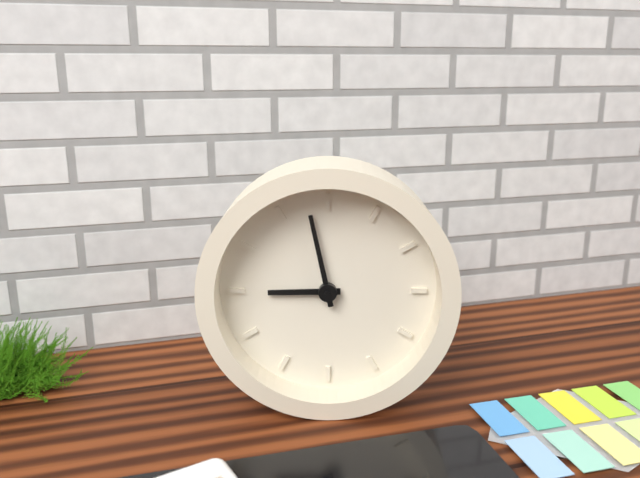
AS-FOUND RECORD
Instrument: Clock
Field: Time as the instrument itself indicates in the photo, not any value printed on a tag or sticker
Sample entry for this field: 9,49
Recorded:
8,58
